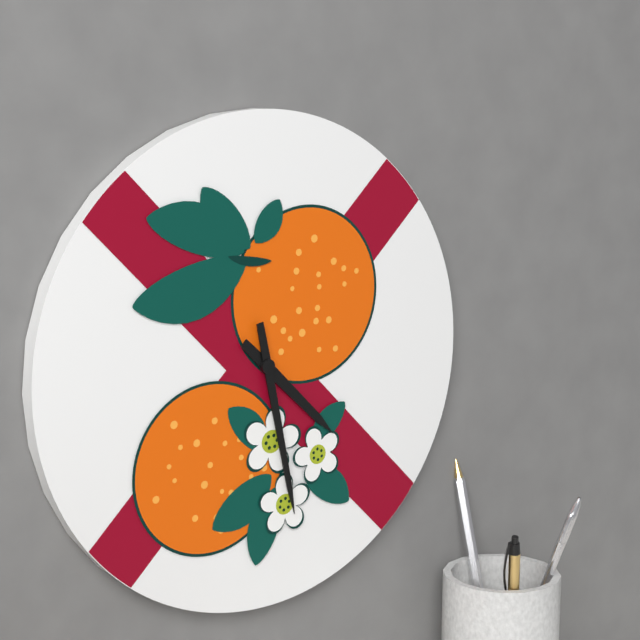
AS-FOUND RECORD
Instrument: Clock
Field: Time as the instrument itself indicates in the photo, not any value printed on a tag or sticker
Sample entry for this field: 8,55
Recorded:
4,28
